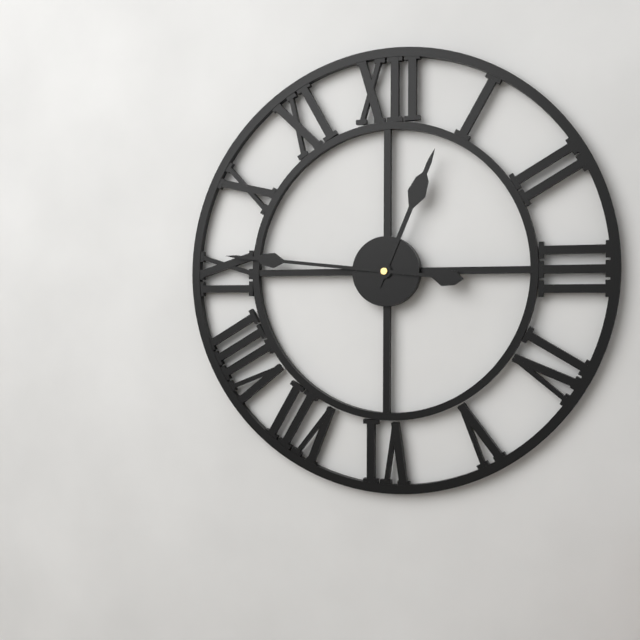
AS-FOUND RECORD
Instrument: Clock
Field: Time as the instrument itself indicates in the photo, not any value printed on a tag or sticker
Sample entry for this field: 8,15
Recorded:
12,46
